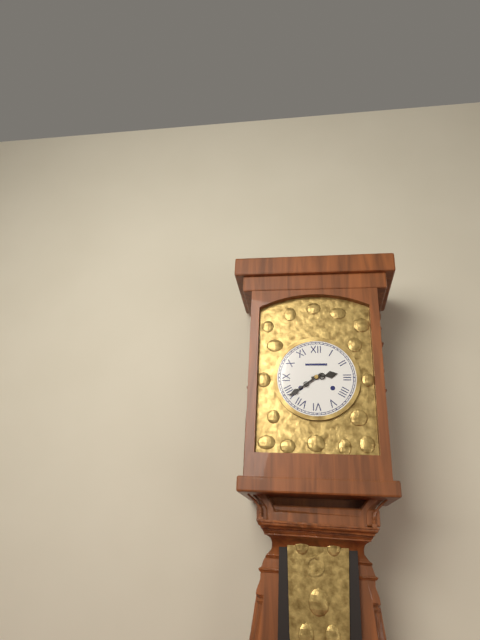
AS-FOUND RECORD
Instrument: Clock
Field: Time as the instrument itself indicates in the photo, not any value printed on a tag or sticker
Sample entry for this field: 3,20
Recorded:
2,39
